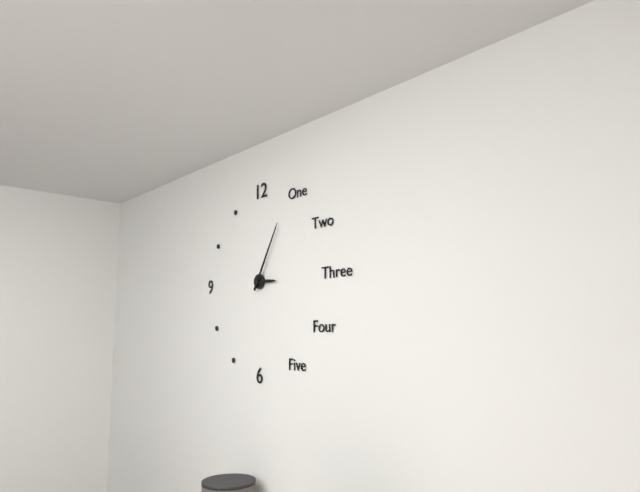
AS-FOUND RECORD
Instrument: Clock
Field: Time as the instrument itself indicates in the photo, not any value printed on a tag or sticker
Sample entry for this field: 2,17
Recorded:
3,05
